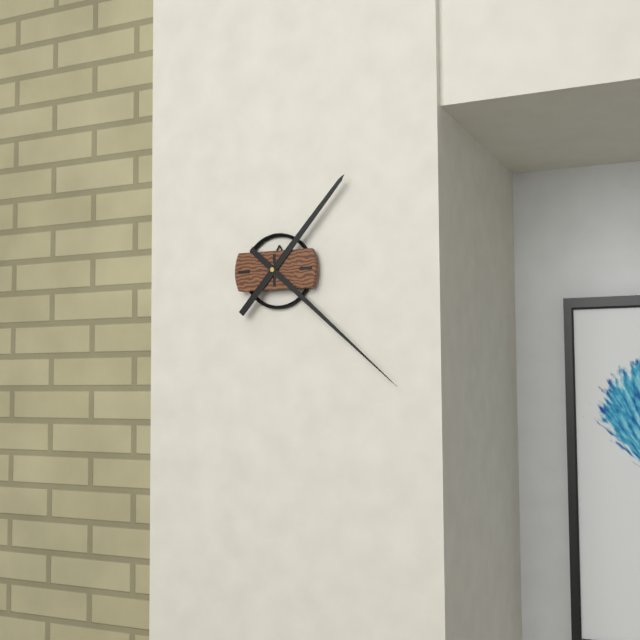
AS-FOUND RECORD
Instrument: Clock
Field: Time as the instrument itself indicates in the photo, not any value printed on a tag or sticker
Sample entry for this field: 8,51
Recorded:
1,22
